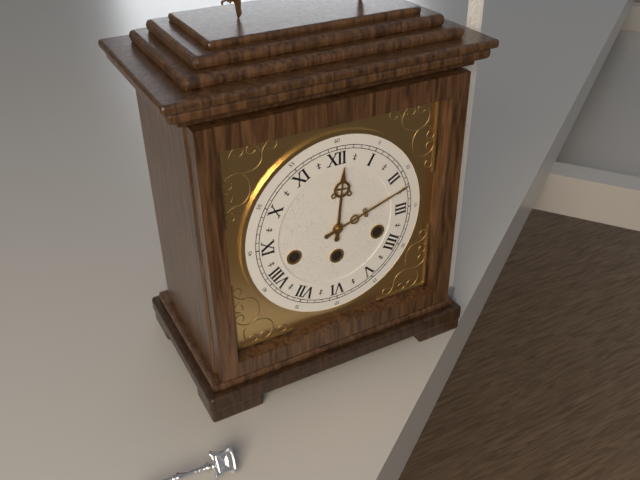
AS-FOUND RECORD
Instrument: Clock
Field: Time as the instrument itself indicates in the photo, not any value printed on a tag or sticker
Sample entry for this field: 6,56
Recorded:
12,12
